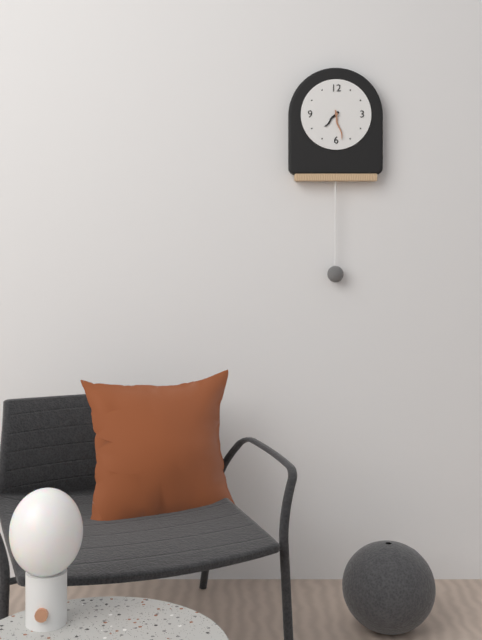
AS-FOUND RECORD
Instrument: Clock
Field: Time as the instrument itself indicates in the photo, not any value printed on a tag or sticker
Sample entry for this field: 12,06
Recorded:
7,28
